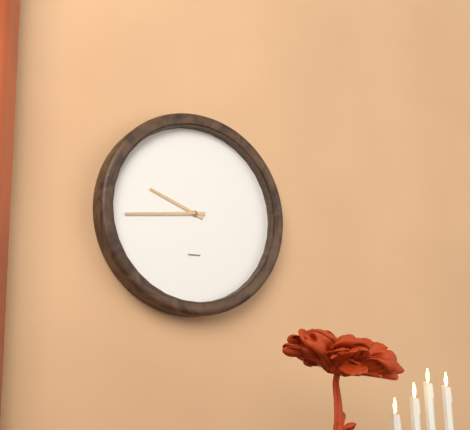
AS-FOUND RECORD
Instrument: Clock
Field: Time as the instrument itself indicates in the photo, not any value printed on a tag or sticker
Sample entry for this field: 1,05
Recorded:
9,44
